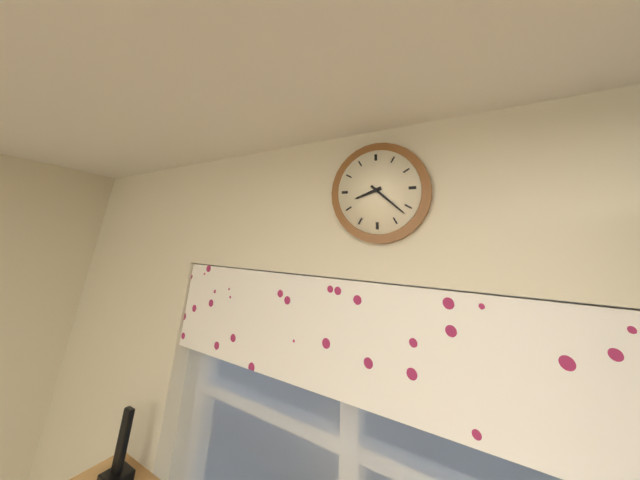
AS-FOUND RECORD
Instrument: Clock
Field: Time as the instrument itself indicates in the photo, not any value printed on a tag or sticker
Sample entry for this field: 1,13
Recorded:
8,22
